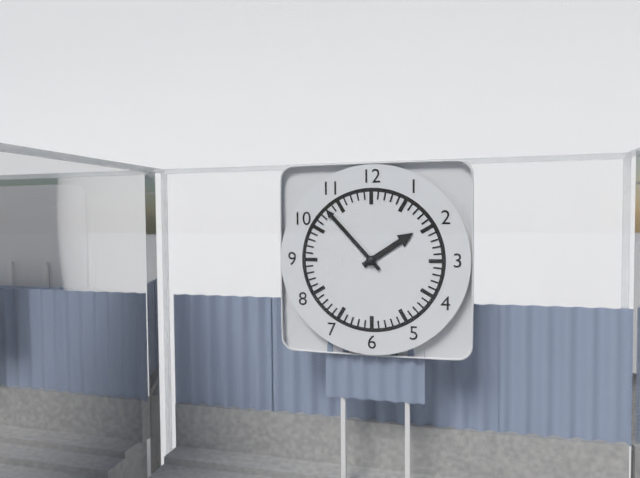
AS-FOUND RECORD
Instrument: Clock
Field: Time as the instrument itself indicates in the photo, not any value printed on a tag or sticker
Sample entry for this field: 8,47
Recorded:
1,53
